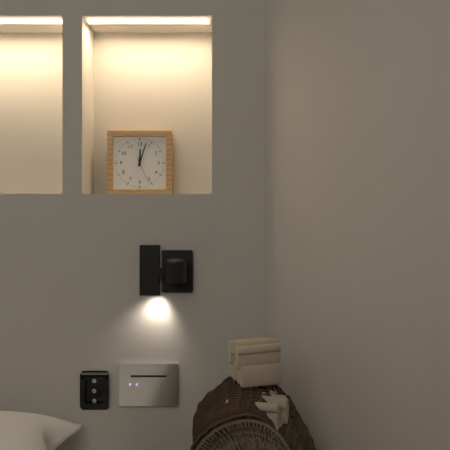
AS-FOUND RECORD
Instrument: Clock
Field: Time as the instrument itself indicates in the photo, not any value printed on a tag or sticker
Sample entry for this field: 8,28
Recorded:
12,03
